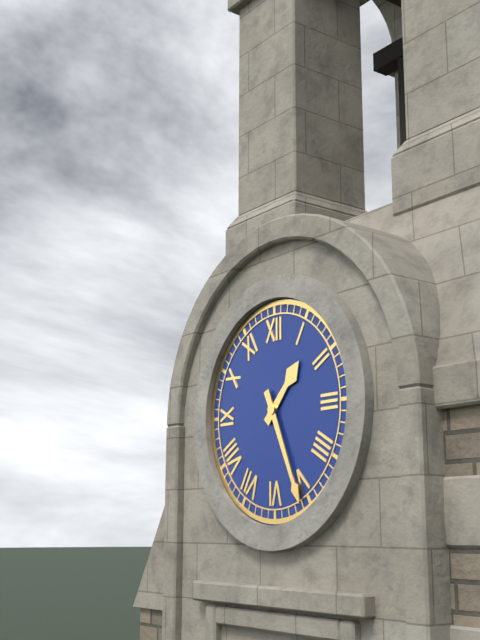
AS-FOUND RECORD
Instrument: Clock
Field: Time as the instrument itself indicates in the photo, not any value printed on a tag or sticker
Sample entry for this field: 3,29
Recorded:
1,26
